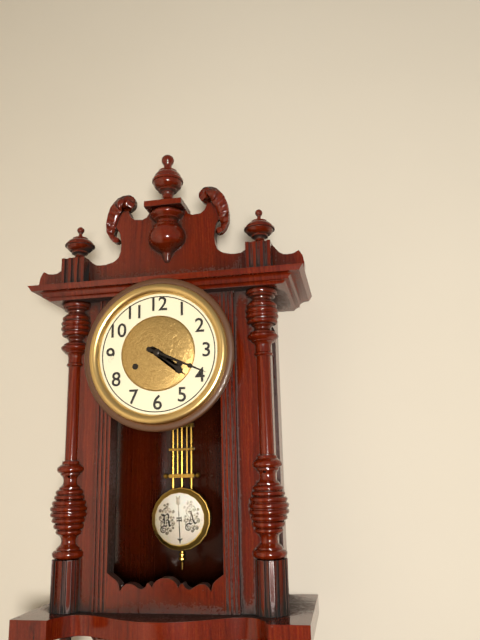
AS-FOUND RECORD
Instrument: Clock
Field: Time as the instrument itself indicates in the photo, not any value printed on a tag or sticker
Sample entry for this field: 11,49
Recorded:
4,19
